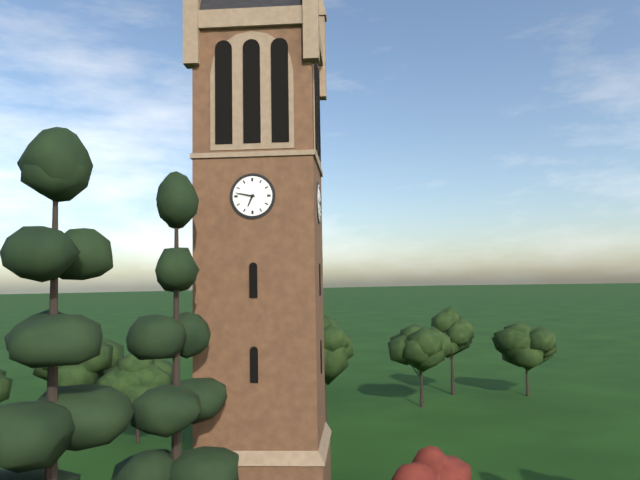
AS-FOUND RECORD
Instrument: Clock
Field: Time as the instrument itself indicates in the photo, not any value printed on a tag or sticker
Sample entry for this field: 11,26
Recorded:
6,47
